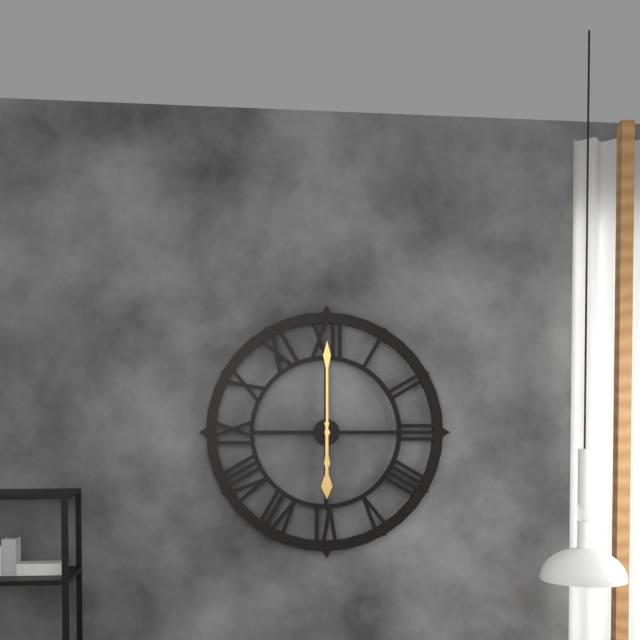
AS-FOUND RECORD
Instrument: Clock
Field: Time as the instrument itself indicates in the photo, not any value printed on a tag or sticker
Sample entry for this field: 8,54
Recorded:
6,00
